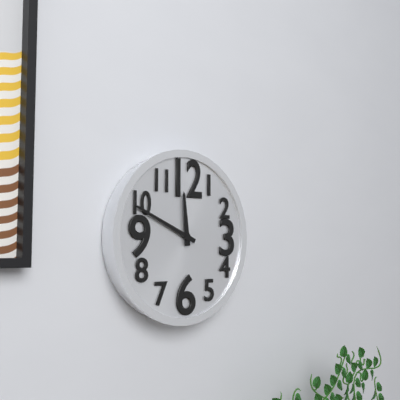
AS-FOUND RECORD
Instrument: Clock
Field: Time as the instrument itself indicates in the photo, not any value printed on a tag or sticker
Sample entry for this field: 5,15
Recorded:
11,49
